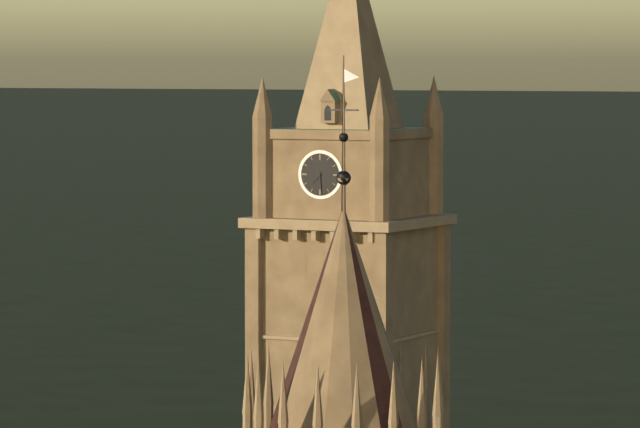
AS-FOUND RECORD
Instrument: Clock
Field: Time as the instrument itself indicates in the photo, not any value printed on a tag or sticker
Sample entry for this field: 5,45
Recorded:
7,29
